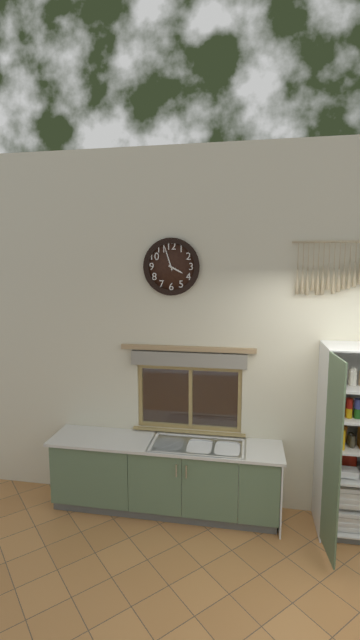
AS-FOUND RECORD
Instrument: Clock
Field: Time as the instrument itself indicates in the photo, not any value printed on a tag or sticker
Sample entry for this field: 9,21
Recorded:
3,57
